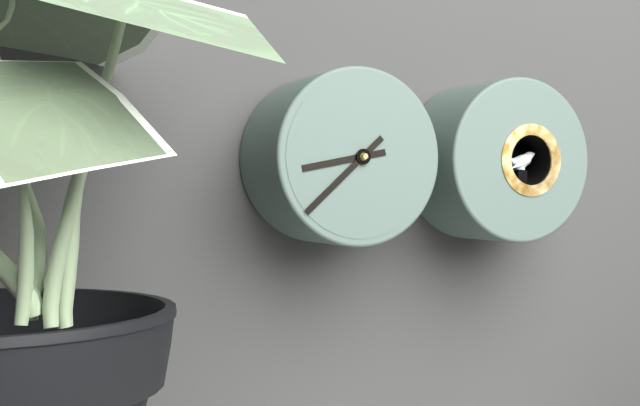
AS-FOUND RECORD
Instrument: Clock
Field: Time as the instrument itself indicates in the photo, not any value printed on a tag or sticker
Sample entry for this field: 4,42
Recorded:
8,38
